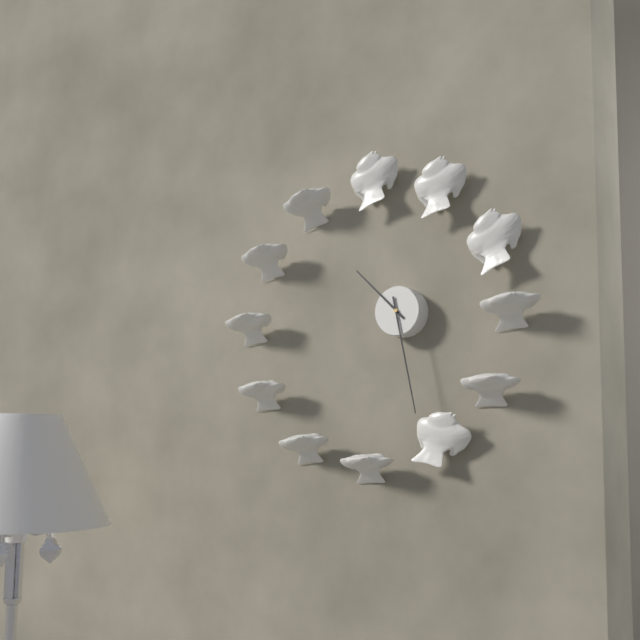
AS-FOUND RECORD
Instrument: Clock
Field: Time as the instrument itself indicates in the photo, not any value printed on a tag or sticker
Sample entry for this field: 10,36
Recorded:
10,28
